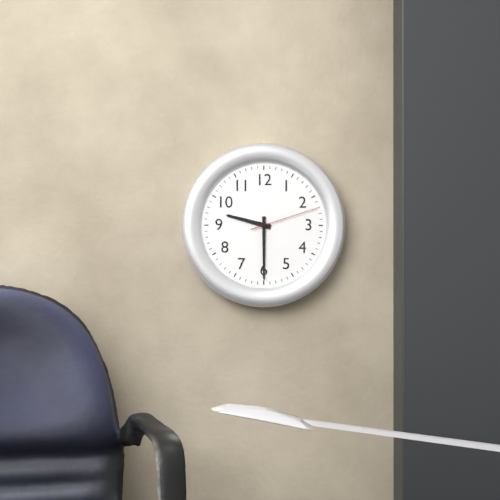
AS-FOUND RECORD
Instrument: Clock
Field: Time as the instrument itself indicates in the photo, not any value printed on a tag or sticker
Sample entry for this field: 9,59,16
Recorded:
9,30,12
